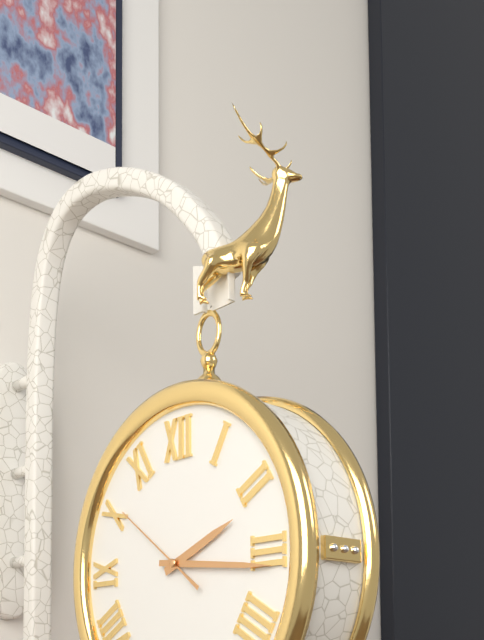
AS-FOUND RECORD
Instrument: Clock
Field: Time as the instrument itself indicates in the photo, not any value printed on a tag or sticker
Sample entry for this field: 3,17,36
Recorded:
2,16,51
